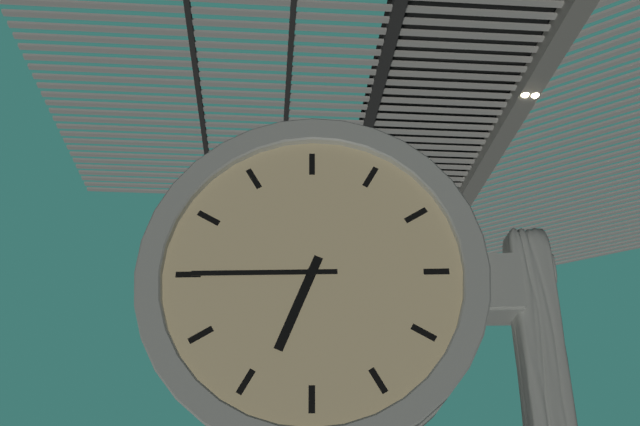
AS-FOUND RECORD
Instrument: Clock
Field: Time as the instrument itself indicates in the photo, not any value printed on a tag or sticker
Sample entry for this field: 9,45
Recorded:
6,45
